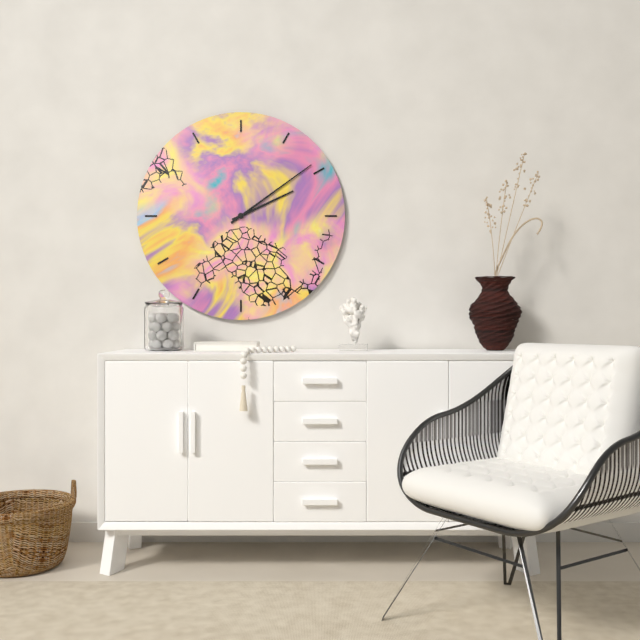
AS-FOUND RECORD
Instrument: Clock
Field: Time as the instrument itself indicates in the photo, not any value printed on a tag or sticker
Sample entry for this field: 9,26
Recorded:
2,09
